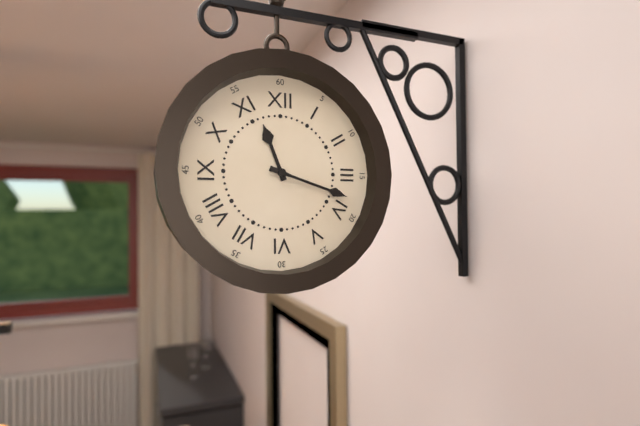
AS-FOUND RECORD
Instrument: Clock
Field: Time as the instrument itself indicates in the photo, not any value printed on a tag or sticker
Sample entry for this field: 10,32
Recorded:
11,18
